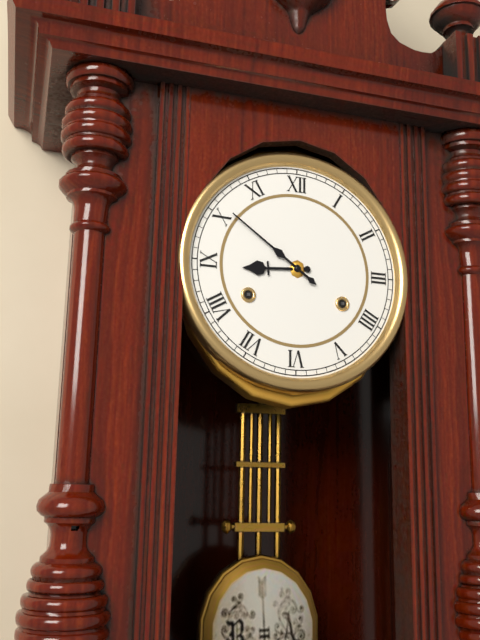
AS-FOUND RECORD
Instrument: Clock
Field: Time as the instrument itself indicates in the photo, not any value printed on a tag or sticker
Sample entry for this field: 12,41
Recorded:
8,51
